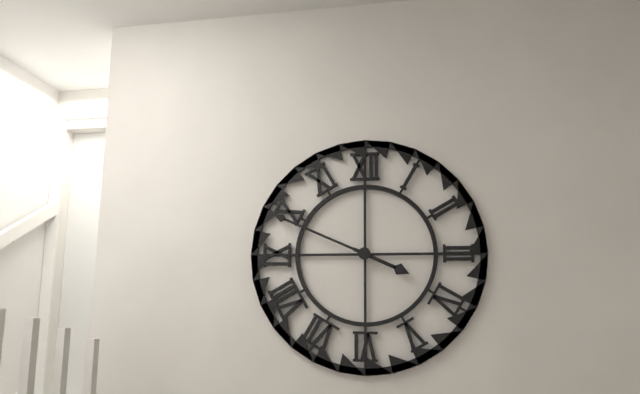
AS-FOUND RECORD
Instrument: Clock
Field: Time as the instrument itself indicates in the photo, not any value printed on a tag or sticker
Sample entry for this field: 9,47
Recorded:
3,49
